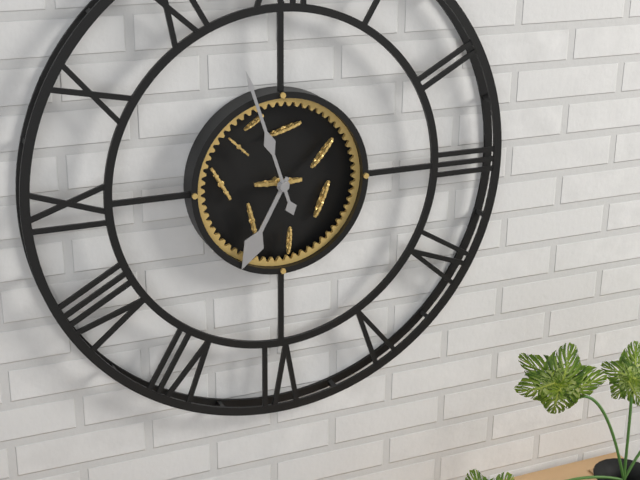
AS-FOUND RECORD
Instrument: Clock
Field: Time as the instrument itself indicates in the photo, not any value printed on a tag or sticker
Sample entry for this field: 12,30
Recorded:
6,57
